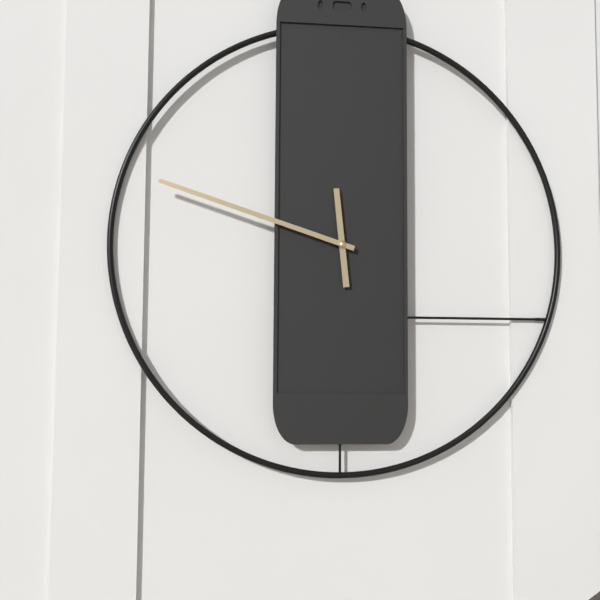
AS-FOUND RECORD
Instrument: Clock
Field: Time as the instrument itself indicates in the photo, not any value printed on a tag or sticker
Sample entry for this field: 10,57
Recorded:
11,48
